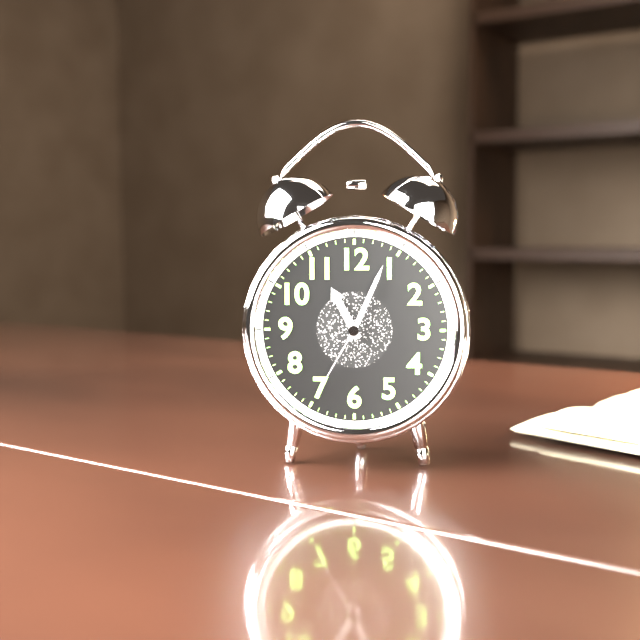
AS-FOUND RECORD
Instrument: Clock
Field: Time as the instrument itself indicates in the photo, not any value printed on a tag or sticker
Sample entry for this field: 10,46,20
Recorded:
11,04,35
